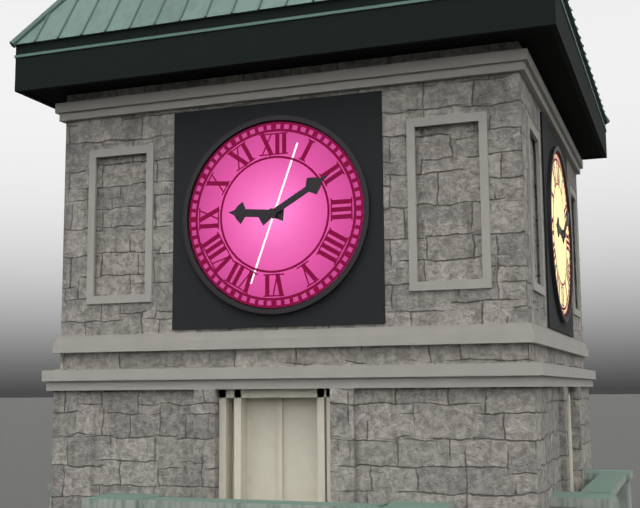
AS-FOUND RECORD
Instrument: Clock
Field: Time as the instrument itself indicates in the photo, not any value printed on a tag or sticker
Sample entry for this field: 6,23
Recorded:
9,10
